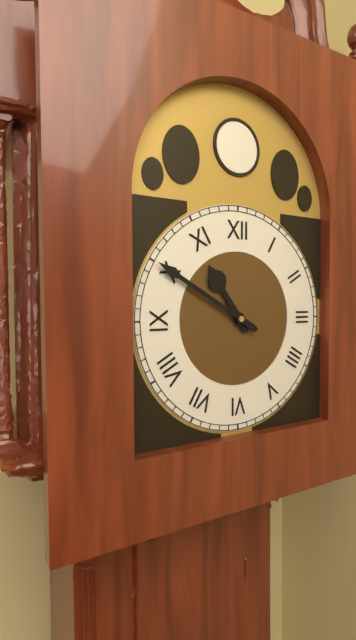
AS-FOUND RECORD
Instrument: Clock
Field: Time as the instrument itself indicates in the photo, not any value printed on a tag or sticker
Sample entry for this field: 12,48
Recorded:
10,50
